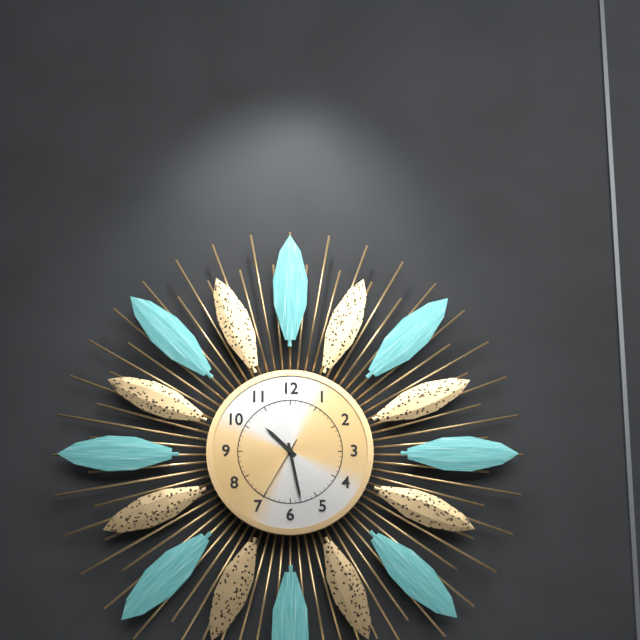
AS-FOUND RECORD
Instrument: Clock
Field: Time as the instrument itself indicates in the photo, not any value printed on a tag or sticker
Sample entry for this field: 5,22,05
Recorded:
10,28,35
